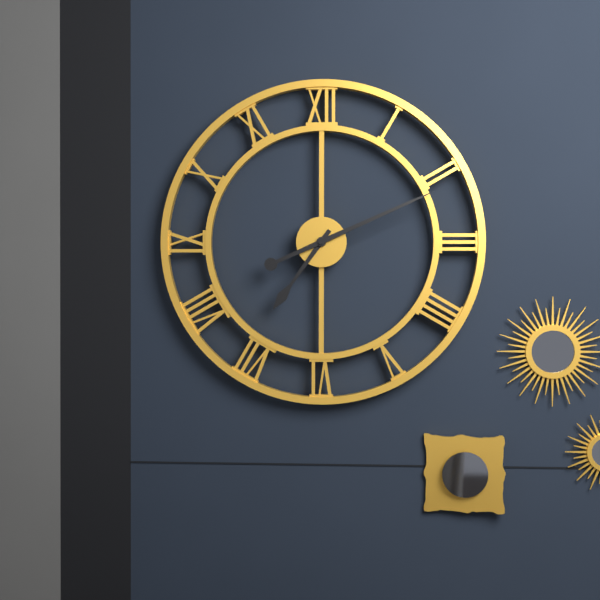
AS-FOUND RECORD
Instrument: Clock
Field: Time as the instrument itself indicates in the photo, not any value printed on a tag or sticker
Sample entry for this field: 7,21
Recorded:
7,11
